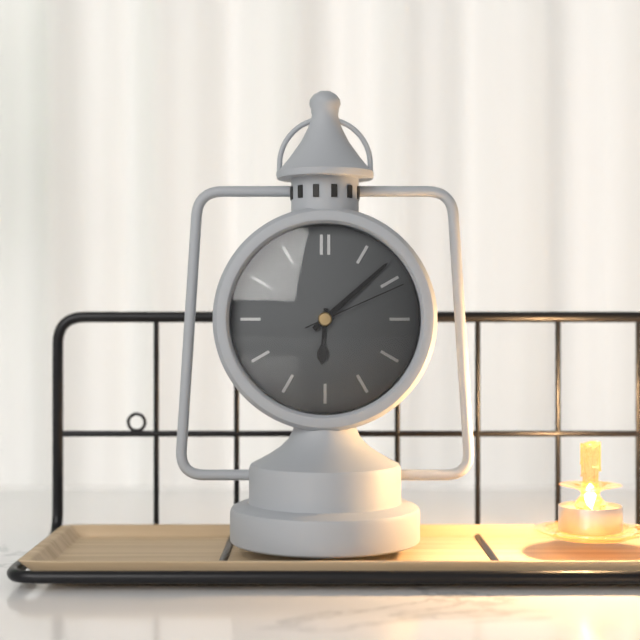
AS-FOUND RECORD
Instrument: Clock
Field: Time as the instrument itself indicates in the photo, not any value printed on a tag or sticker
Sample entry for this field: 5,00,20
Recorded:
6,08,11
